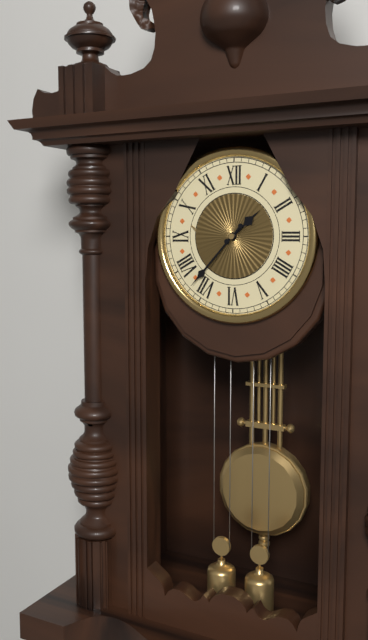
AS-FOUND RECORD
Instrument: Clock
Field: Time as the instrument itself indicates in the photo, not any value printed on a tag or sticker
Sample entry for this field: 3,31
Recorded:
1,37
